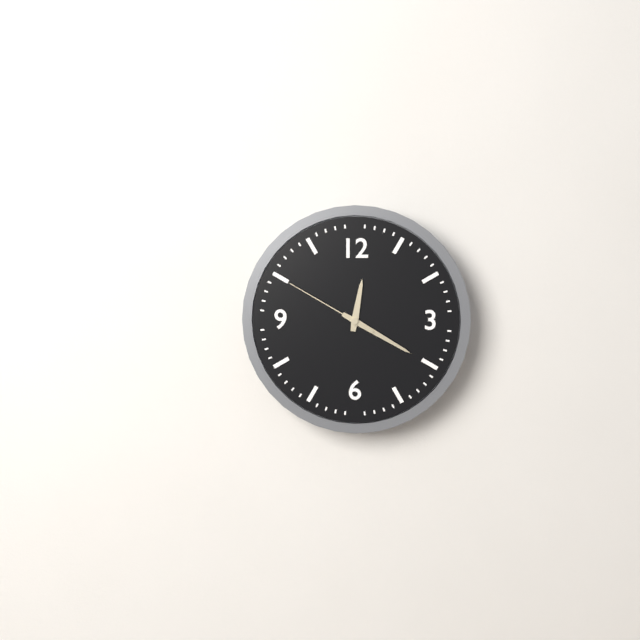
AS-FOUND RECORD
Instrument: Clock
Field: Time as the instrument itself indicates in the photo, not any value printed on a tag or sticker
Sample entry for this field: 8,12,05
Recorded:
12,20,50
